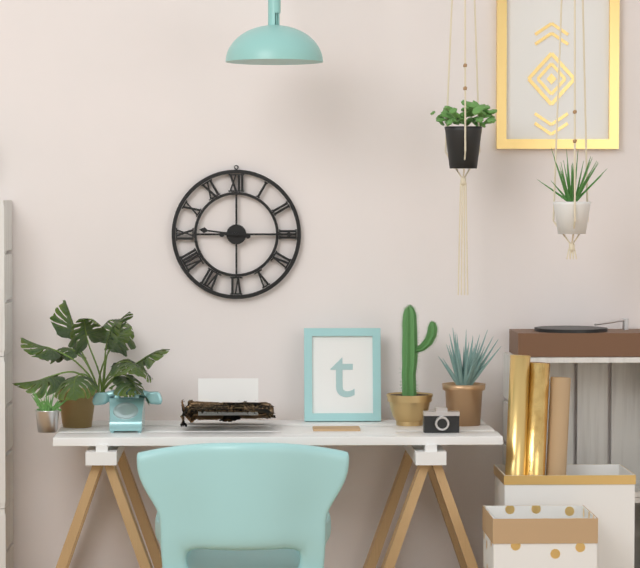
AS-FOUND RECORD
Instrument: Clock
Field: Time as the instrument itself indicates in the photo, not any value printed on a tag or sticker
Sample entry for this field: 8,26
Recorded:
9,15
